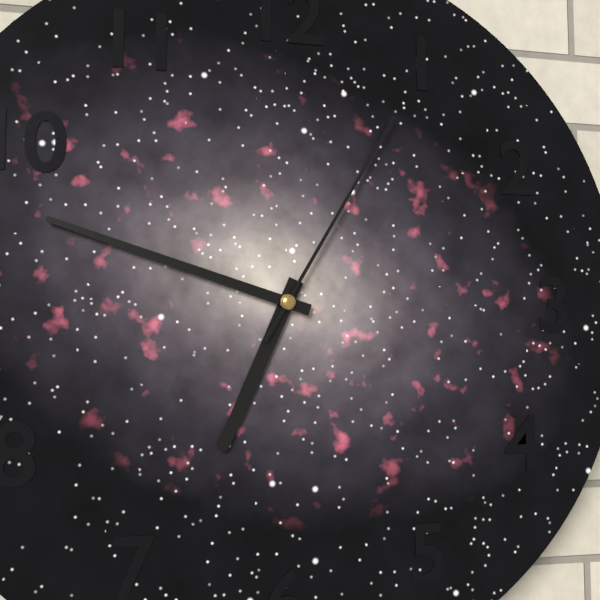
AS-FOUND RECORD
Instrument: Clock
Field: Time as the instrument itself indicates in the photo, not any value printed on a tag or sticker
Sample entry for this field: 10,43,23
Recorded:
6,48,05
